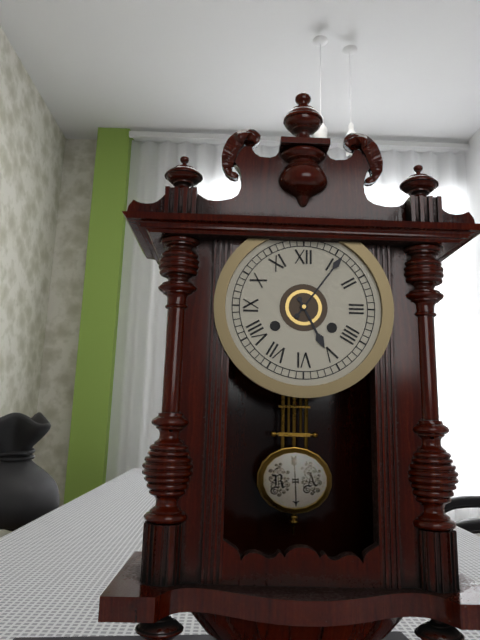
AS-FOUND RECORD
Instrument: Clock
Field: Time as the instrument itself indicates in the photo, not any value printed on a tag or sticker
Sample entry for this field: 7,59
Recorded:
5,06
